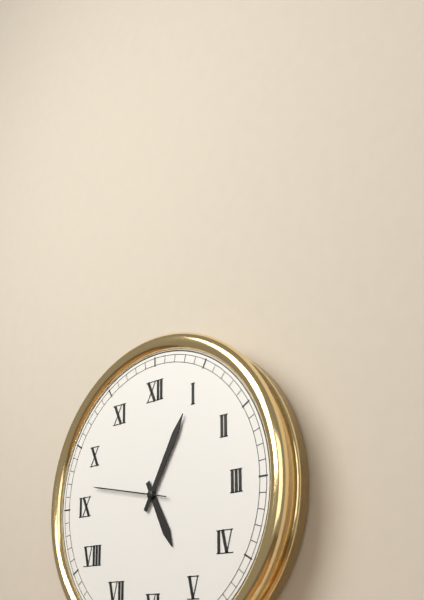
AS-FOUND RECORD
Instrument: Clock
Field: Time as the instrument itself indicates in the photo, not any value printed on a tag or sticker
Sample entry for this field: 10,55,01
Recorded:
5,05,47
